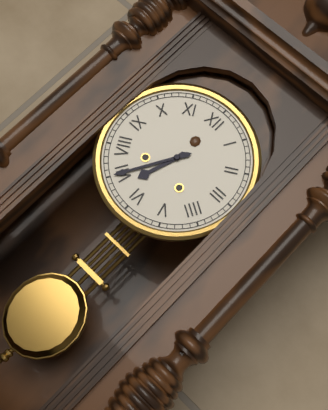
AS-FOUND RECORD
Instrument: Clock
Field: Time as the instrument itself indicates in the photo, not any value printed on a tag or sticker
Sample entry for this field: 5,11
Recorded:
6,35
